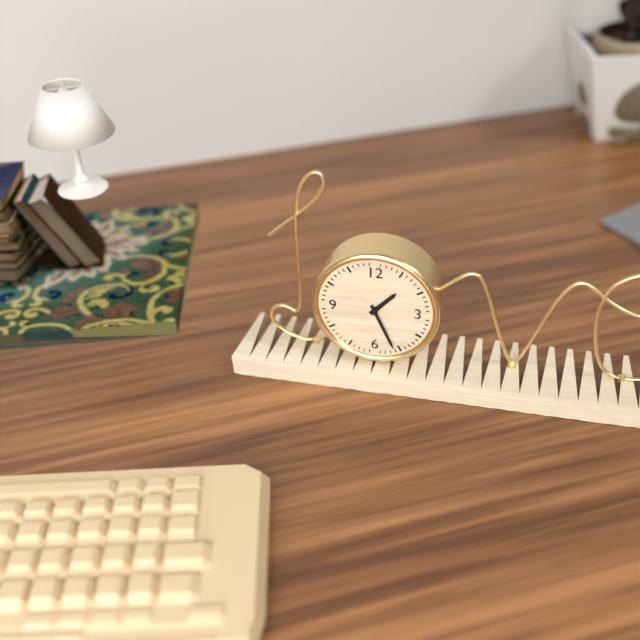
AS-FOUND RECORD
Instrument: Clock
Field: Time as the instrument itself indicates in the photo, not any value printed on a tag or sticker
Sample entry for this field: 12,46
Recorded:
1,26
